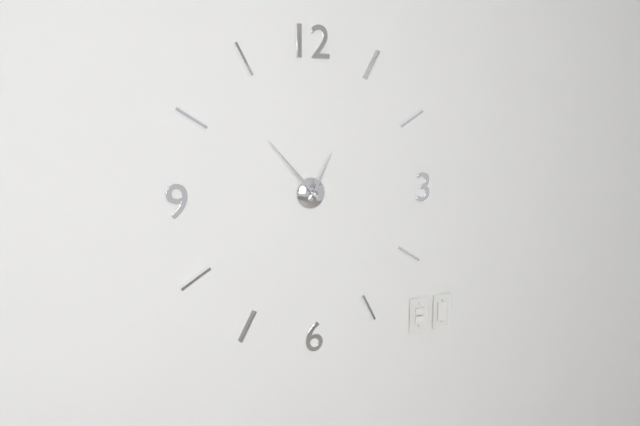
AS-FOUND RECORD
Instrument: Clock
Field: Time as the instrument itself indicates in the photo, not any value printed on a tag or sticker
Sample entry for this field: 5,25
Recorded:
12,53
